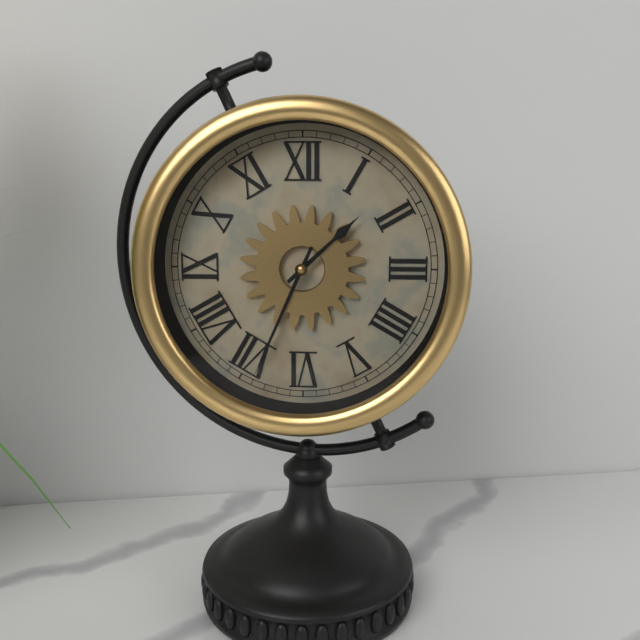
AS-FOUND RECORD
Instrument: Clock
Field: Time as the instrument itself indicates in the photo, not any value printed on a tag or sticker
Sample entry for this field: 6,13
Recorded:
1,34
